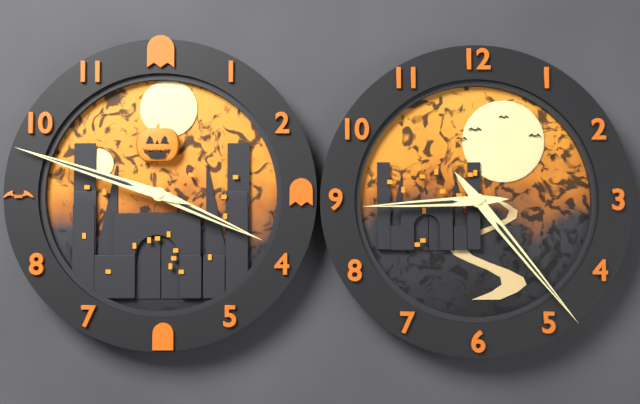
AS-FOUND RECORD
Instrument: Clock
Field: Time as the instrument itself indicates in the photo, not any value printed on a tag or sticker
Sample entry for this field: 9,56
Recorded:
3,48
